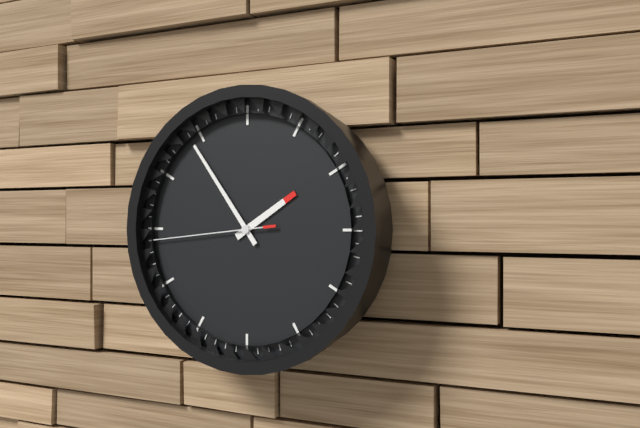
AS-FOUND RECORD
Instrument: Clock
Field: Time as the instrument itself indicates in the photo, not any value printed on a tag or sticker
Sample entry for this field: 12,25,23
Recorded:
1,54,44
